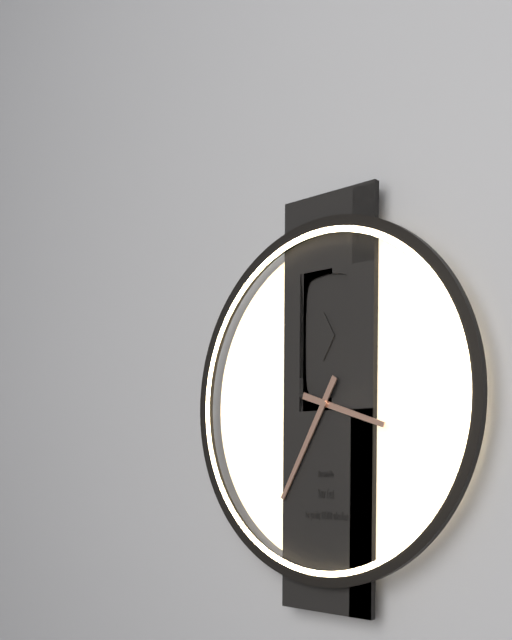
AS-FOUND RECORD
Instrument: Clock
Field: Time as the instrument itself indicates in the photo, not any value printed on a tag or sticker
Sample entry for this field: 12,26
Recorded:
3,35
